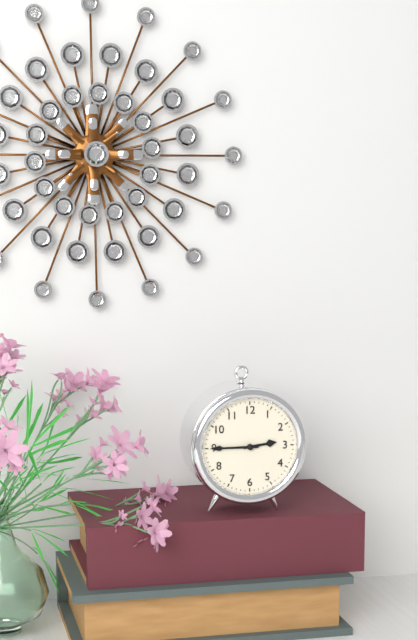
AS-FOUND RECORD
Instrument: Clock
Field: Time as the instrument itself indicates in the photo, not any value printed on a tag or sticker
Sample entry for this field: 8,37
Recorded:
2,45
